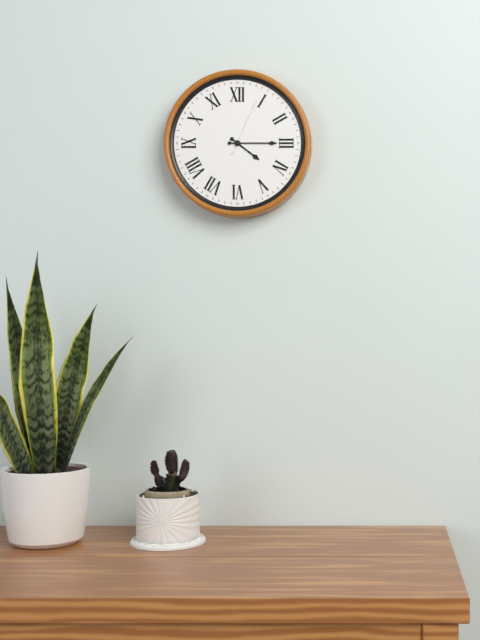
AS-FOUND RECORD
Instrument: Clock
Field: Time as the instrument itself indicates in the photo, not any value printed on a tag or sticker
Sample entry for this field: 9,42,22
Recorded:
4,15,04
